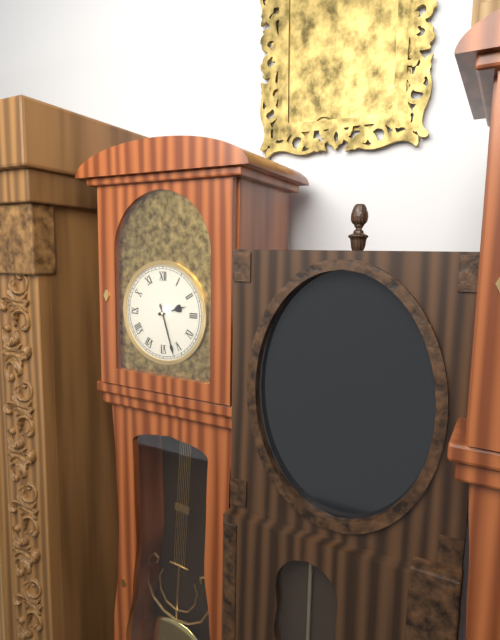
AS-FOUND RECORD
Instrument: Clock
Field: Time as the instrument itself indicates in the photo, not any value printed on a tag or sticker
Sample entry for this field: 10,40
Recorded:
2,27
